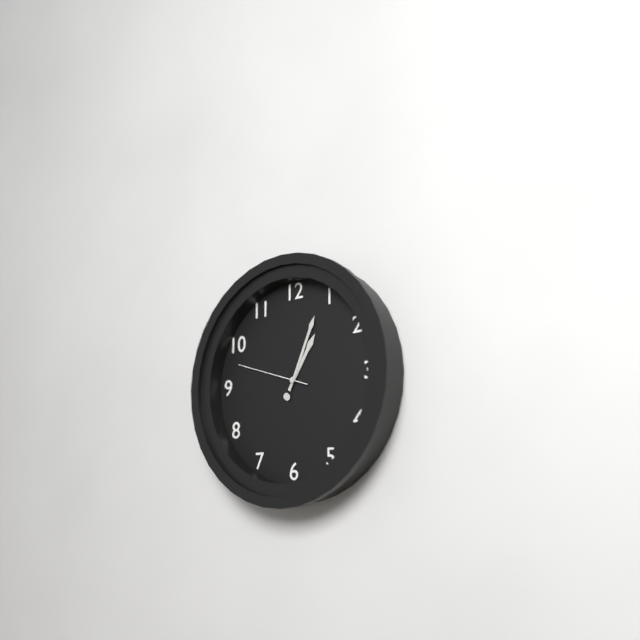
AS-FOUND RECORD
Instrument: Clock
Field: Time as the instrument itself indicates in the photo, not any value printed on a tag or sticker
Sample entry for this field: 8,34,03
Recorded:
1,04,48
